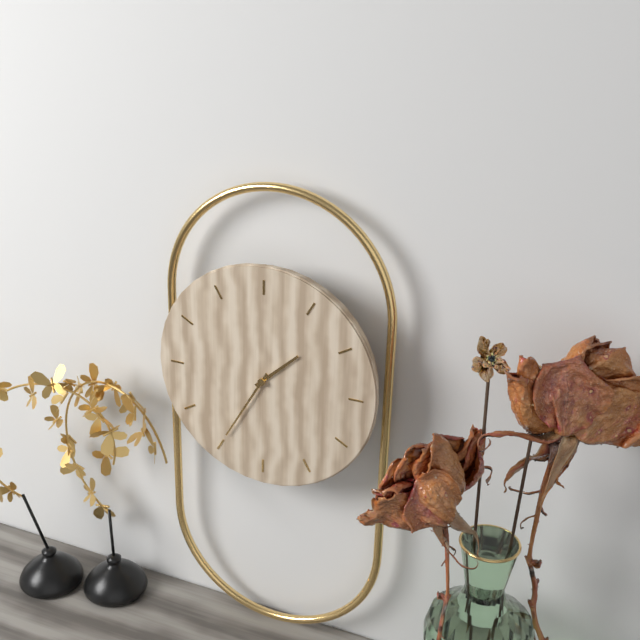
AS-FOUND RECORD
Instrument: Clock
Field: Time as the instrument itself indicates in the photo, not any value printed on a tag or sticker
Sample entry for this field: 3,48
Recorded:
1,35
